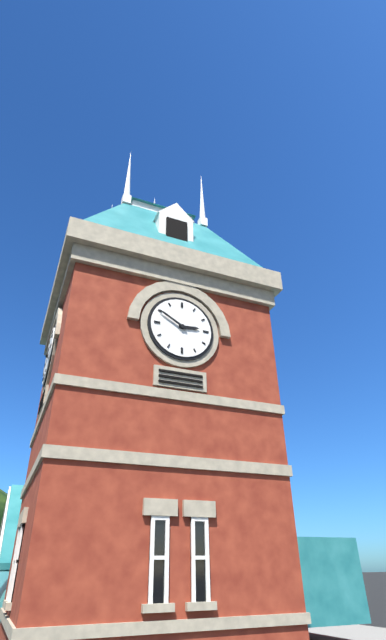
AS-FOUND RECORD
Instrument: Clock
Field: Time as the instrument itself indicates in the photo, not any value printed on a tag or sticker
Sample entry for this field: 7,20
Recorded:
2,50
